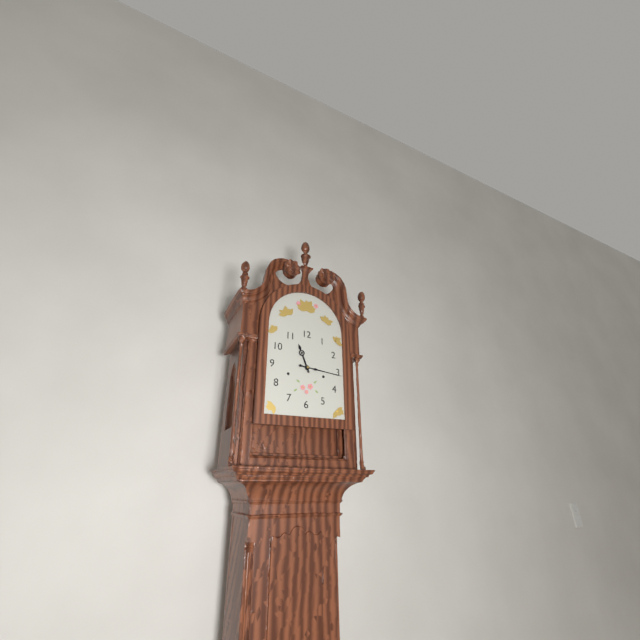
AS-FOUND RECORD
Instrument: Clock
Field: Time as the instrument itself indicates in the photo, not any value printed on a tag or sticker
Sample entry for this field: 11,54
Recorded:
11,16
